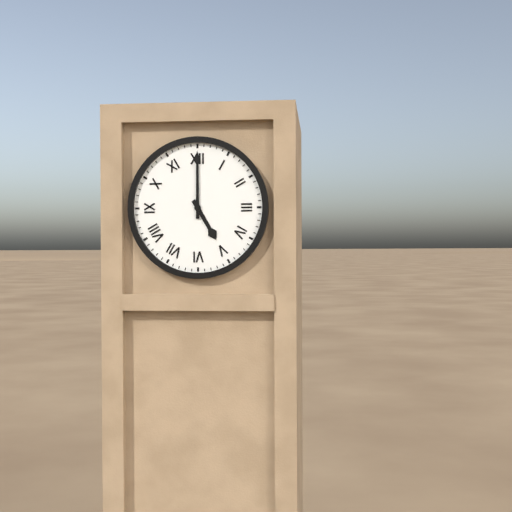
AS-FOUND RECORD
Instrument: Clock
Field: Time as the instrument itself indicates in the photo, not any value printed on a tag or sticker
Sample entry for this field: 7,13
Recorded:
5,00
